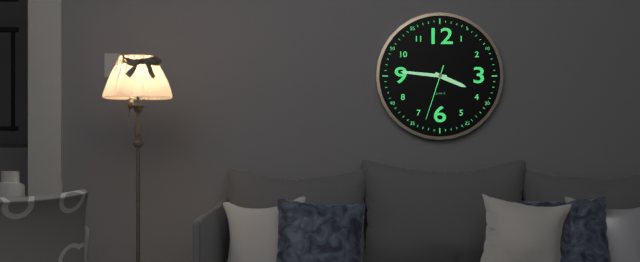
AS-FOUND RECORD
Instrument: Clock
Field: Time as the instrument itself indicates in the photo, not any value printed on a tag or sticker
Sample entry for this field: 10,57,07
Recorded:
3,46,33
